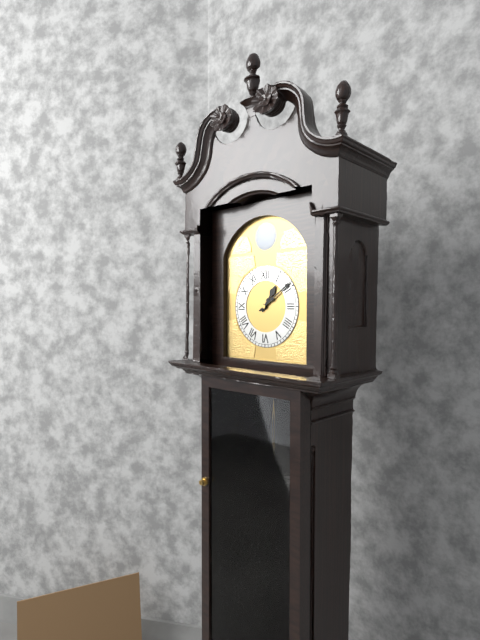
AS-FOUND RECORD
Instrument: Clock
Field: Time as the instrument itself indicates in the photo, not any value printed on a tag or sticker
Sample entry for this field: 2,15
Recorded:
1,09
